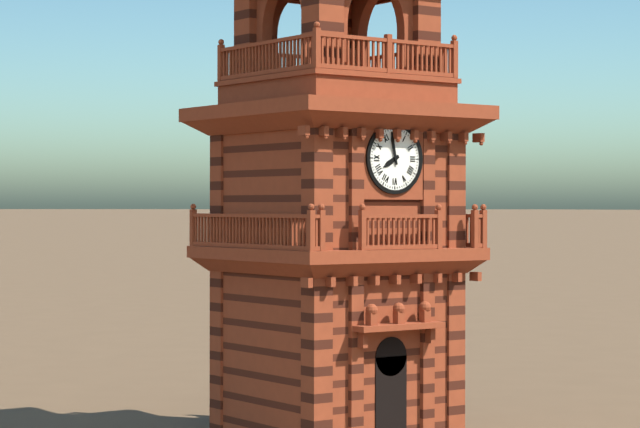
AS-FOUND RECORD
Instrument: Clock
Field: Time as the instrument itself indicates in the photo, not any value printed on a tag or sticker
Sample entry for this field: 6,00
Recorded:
7,58
